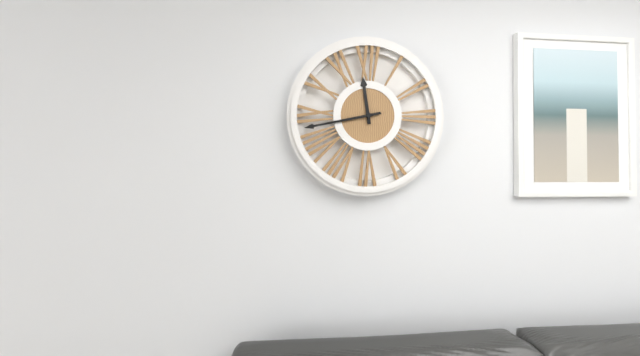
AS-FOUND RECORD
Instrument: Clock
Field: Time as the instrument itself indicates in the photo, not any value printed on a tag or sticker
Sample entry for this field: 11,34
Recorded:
11,43
